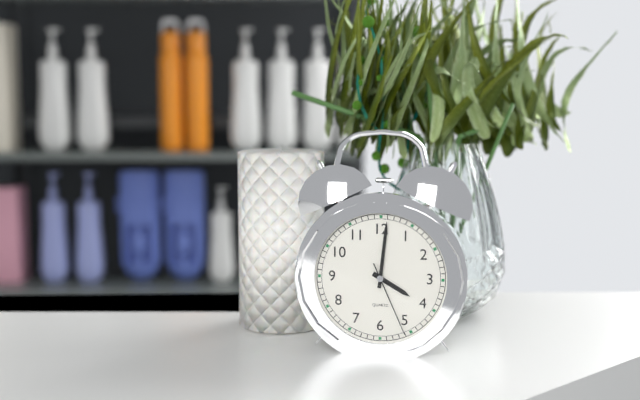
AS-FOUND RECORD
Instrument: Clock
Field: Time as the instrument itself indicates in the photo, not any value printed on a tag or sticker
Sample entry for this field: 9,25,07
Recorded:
4,01,26
